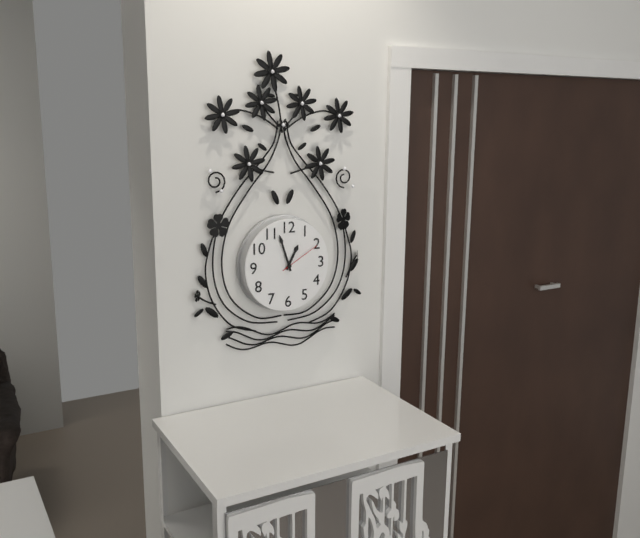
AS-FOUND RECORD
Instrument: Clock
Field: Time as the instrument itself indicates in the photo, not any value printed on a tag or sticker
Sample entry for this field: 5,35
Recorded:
12,57
